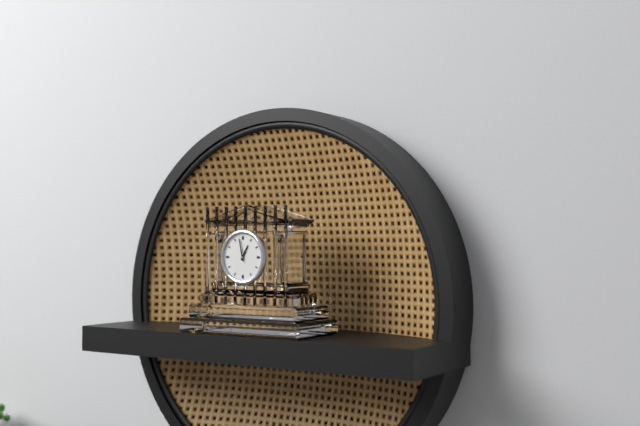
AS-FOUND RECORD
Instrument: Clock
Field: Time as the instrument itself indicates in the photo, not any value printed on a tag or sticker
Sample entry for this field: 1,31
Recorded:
12,58
